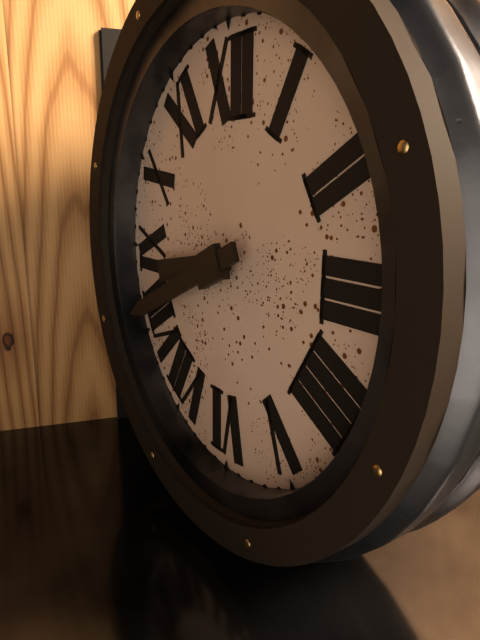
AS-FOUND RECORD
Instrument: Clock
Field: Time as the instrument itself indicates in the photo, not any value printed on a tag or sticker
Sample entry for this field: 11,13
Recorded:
8,41
